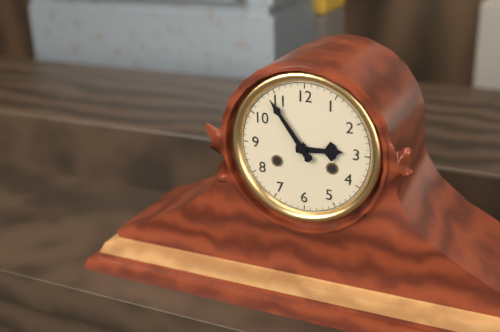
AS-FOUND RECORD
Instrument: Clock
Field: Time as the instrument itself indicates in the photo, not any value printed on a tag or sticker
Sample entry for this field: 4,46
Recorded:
2,54
